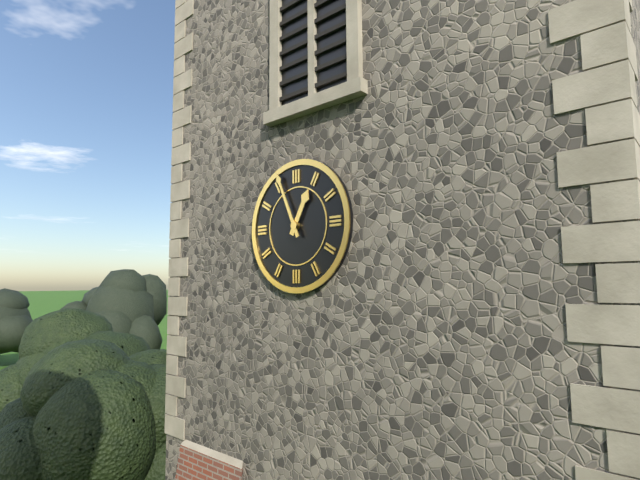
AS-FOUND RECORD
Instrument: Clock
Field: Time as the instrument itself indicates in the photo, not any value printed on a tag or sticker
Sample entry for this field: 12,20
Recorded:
12,56
